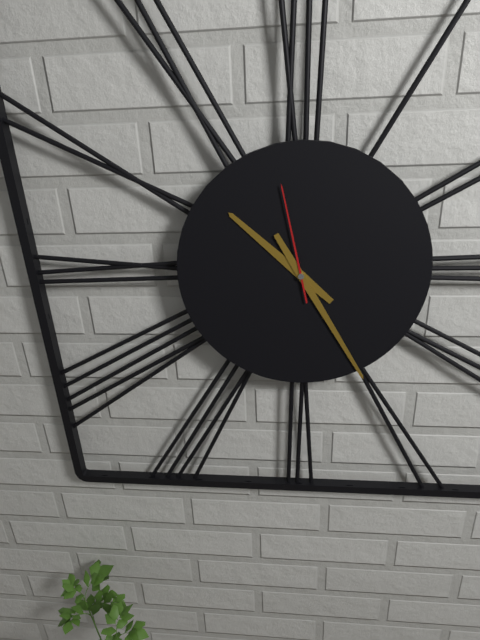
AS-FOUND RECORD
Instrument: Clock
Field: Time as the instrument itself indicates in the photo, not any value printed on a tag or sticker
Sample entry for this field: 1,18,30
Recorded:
10,25,58
